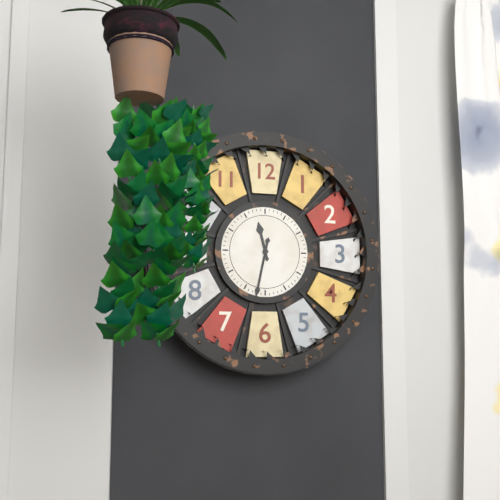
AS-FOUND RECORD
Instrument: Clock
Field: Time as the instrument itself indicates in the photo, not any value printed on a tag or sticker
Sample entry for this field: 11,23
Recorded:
11,32
